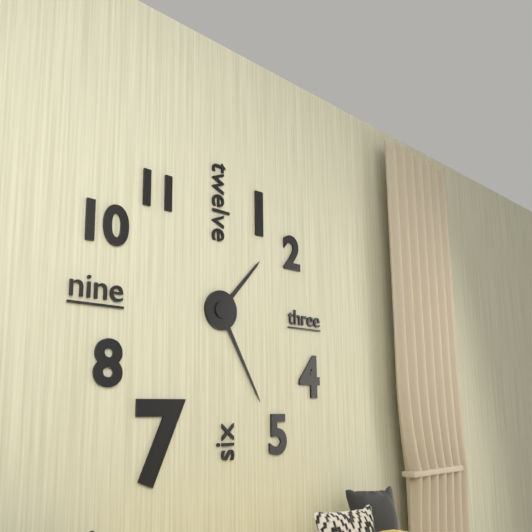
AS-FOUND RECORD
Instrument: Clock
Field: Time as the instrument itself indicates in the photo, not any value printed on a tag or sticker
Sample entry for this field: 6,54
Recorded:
1,25
